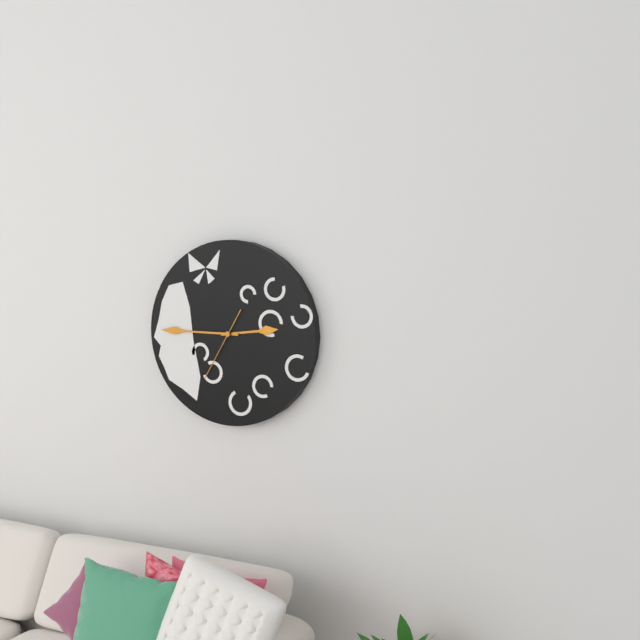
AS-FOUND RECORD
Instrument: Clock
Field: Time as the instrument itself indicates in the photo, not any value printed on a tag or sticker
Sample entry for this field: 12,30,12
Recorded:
2,45,35
